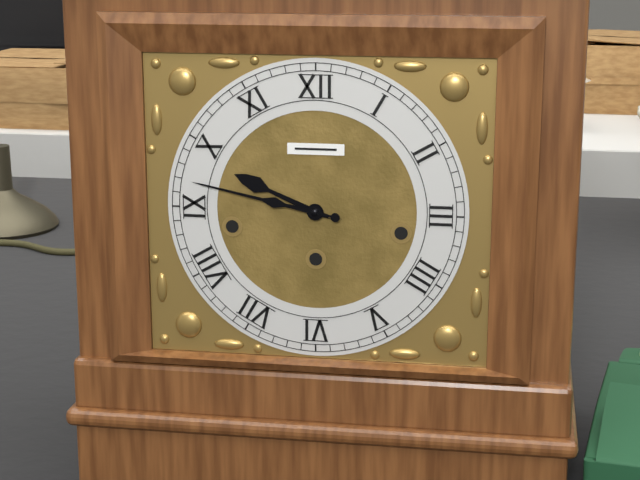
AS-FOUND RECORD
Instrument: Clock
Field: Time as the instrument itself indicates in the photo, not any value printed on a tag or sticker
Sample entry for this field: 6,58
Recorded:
9,47
